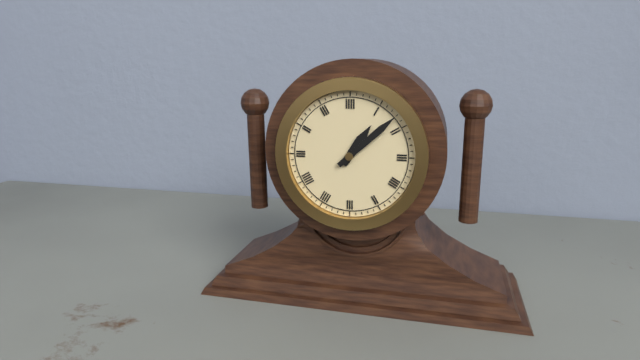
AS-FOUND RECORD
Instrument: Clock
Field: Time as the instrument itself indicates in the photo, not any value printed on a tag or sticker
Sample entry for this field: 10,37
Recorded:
1,08
